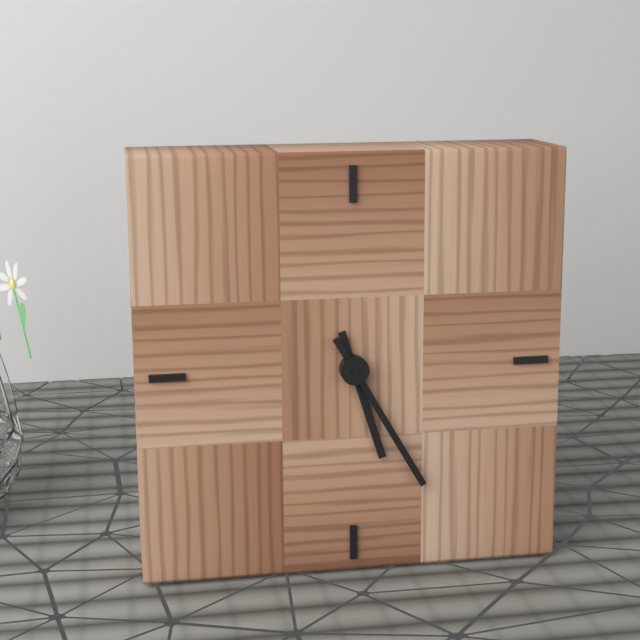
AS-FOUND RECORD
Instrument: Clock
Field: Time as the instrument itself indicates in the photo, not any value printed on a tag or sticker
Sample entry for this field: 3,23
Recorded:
5,25
